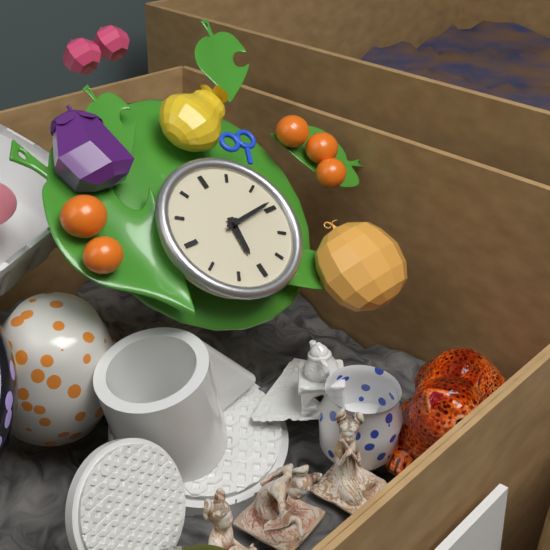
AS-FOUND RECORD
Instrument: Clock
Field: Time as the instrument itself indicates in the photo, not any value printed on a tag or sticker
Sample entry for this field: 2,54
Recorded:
6,14
